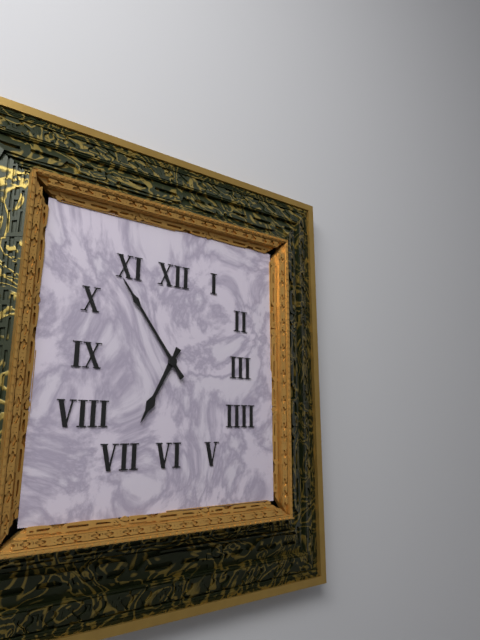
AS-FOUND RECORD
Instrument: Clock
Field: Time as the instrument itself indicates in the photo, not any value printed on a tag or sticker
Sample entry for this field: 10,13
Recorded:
6,54
